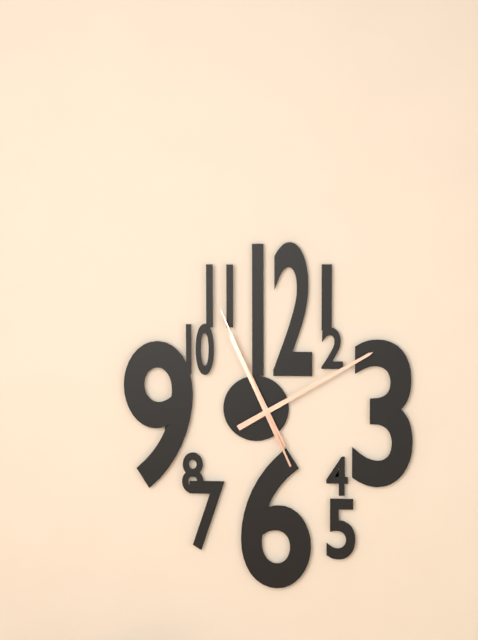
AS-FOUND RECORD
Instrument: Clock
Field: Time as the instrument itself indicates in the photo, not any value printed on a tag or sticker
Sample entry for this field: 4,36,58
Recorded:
11,10,56
